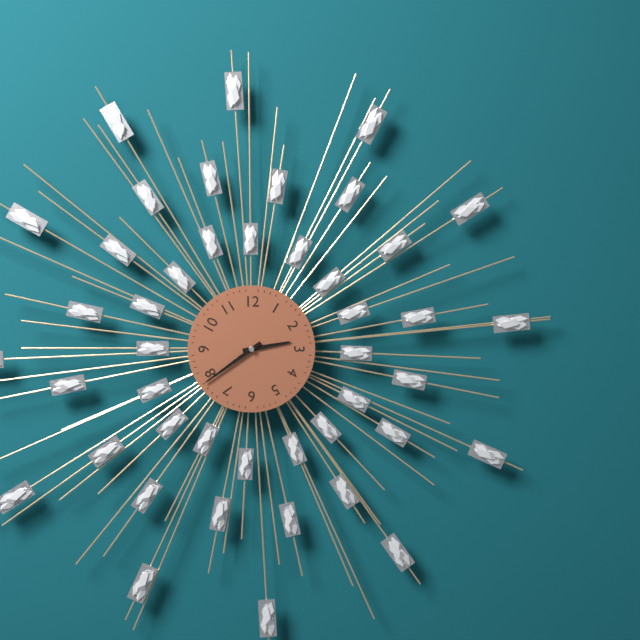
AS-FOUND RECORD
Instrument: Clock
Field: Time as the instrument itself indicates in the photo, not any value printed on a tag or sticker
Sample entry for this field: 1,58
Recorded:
2,39
